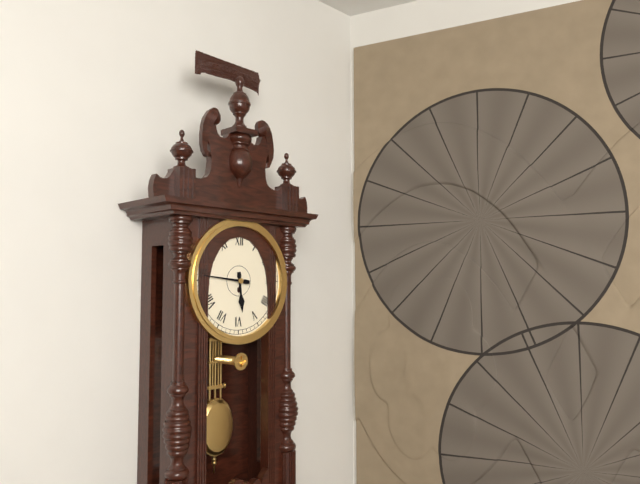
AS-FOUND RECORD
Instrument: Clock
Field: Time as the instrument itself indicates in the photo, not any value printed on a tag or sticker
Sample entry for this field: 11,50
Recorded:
5,46
